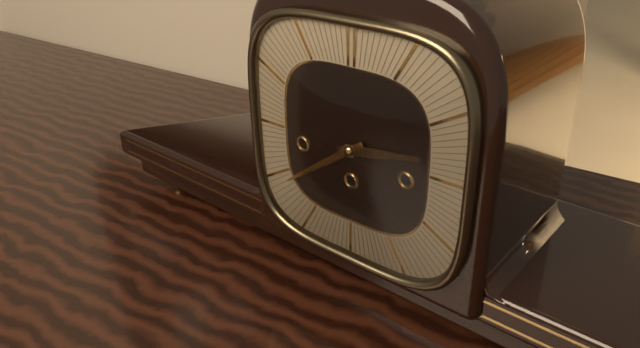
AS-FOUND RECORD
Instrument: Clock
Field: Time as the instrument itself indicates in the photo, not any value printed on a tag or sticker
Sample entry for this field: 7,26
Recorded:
2,39
